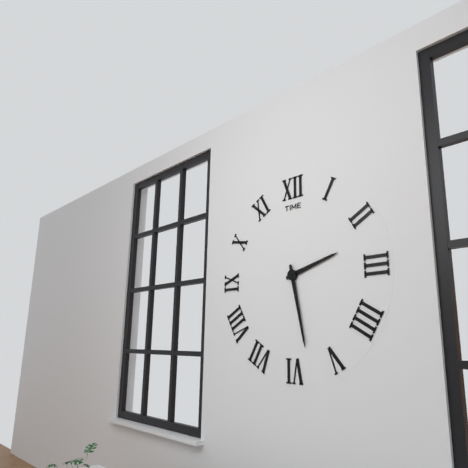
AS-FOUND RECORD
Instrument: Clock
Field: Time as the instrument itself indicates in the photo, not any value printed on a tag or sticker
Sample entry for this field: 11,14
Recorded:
2,28
